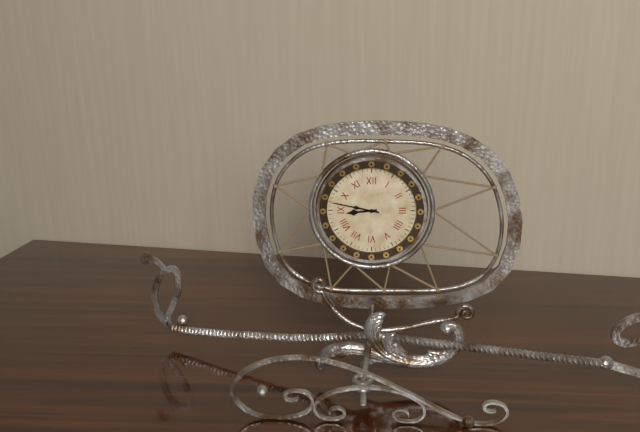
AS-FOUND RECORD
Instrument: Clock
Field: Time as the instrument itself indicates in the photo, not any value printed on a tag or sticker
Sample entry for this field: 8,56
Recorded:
8,47
